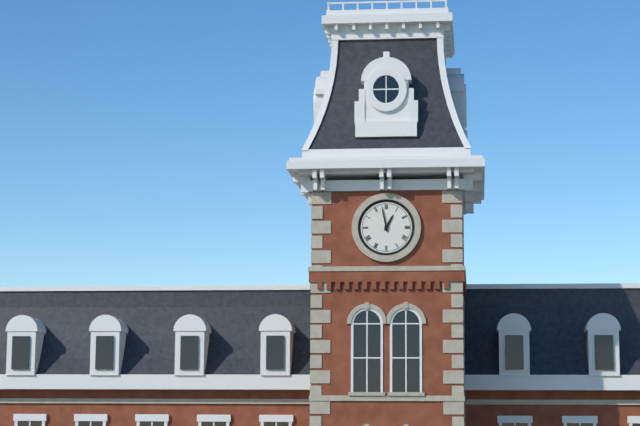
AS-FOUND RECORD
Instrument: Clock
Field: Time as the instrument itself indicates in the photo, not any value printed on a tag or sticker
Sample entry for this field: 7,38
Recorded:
12,58
